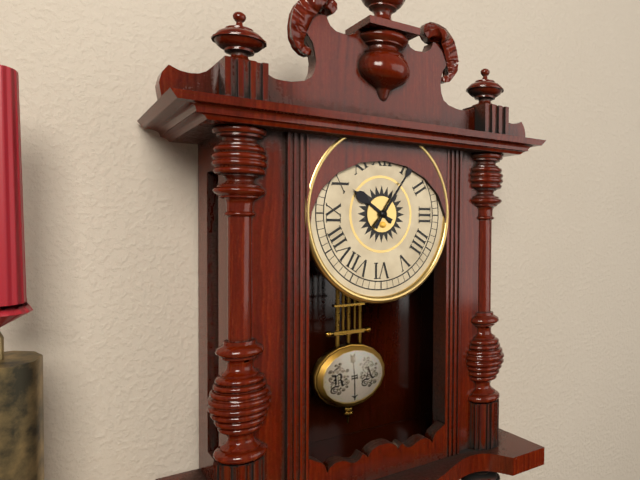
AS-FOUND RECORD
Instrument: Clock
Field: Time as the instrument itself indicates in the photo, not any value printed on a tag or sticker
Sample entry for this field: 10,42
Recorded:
10,06
